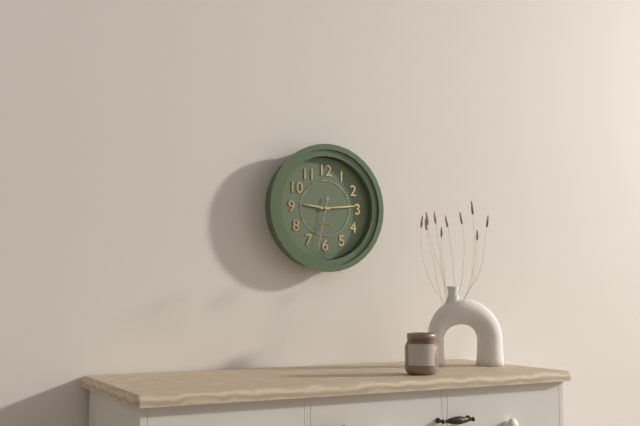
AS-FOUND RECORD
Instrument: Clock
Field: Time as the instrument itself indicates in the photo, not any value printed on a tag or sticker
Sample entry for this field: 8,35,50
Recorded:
9,14,32
